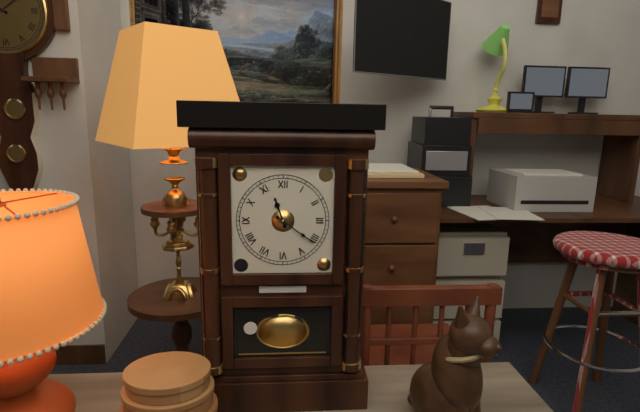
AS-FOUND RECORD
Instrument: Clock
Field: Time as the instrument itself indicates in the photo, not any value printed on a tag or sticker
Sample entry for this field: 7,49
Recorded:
11,21
